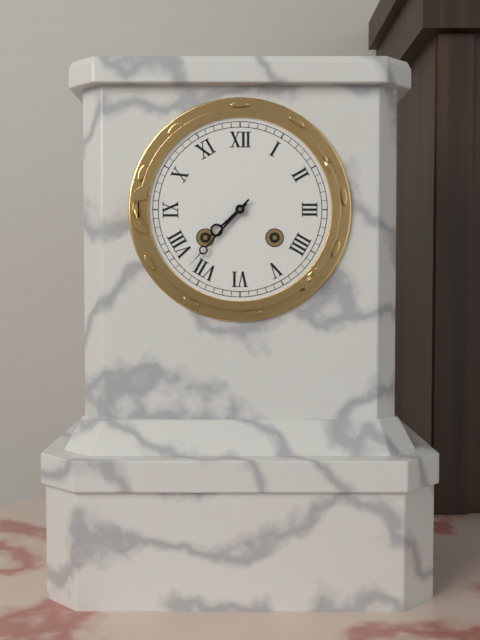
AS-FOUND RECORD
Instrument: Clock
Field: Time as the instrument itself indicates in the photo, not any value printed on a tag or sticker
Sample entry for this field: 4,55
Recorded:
7,37
